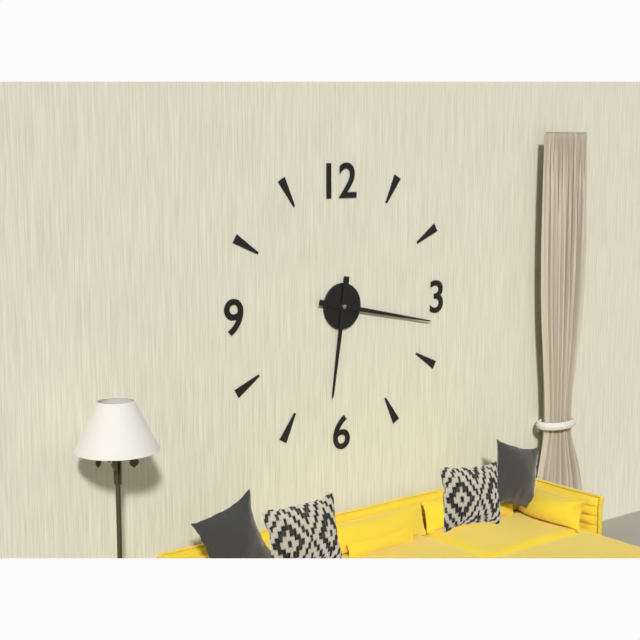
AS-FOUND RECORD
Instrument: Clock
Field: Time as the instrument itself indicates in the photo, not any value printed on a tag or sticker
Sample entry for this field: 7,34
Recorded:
6,17
